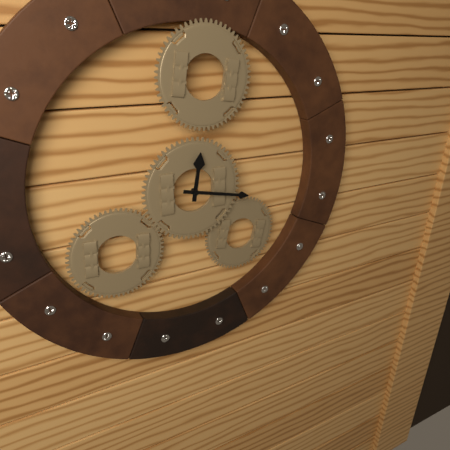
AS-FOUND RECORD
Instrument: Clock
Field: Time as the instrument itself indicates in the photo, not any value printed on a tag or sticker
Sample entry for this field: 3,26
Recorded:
12,17
